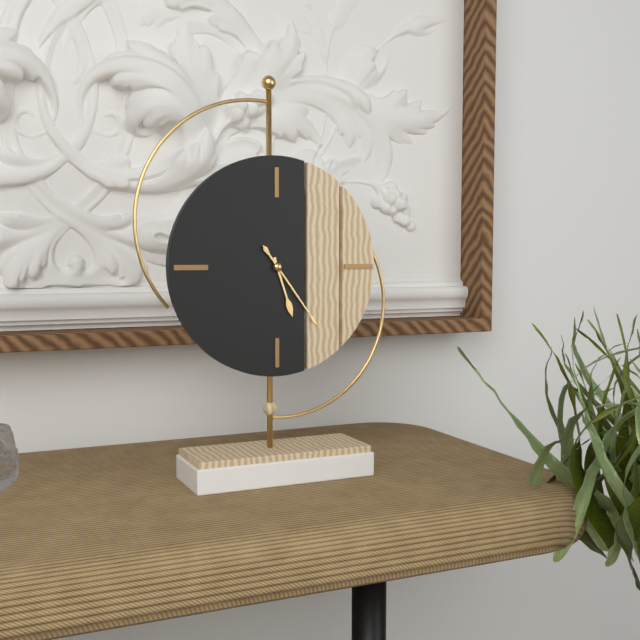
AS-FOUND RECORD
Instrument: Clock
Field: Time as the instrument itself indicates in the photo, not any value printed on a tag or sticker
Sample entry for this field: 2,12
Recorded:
5,24
